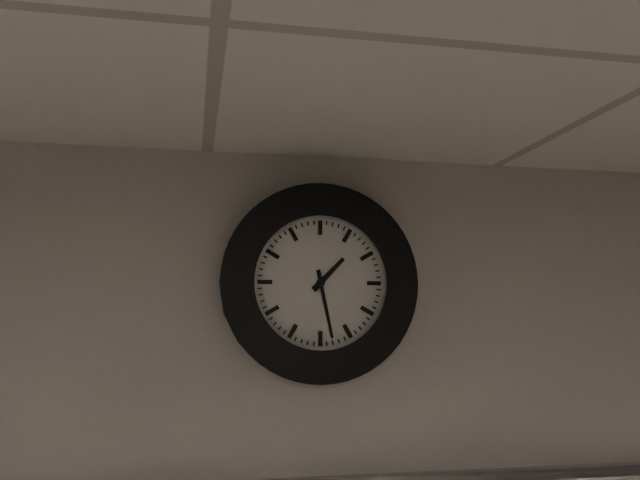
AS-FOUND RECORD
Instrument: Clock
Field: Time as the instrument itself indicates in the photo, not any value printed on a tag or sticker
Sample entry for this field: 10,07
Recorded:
1,28
